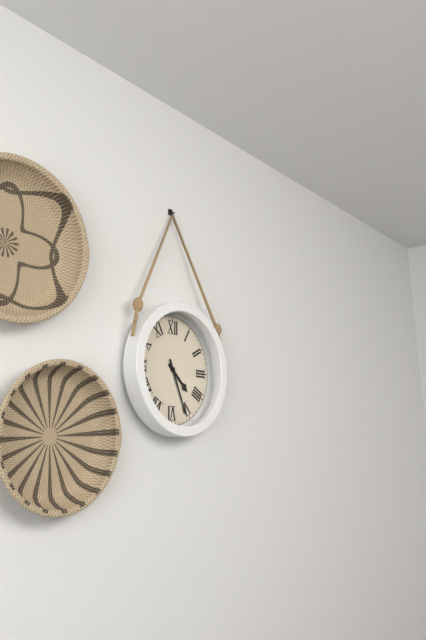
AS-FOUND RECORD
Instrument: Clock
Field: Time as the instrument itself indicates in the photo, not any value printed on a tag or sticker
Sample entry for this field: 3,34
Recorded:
4,26
